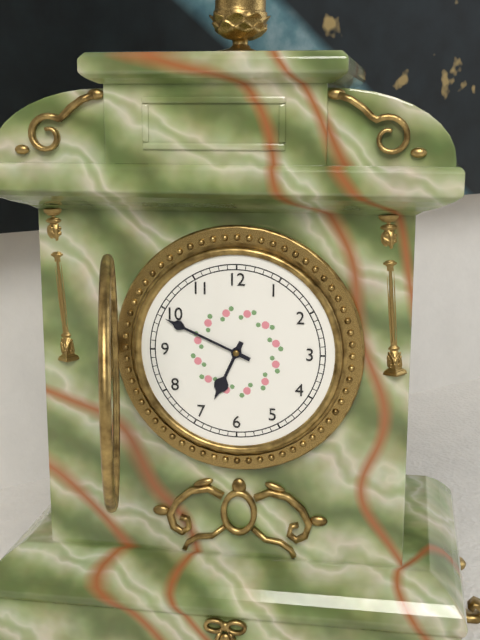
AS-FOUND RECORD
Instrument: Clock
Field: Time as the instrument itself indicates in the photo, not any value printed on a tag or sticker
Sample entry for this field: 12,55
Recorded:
6,49
